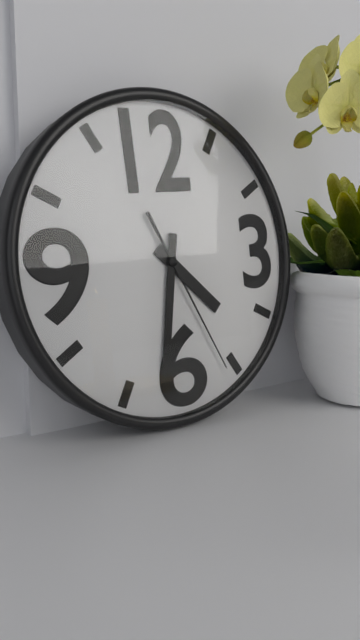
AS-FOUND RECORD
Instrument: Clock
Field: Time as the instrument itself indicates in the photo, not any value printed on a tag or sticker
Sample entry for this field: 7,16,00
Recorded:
4,32,26
